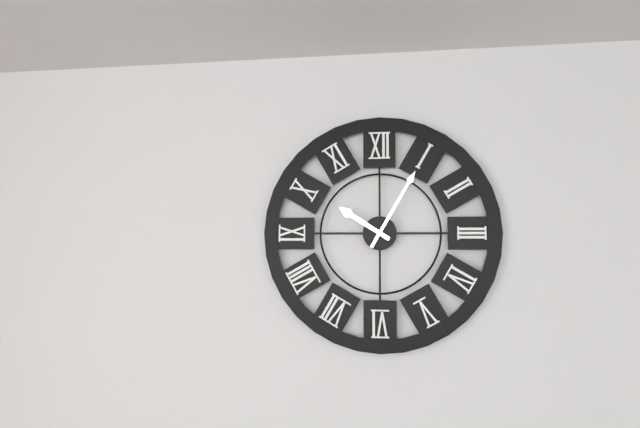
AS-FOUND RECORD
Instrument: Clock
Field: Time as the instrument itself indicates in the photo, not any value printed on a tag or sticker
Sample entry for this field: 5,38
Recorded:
10,05
